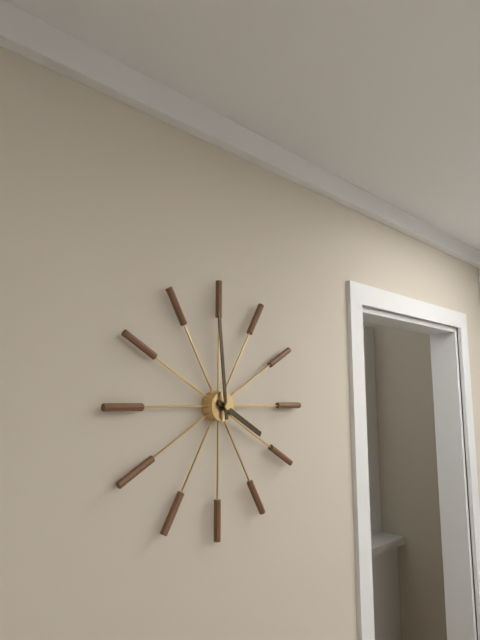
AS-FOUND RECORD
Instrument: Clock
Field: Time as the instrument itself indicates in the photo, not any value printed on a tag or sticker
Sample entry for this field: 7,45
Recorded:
3,59
